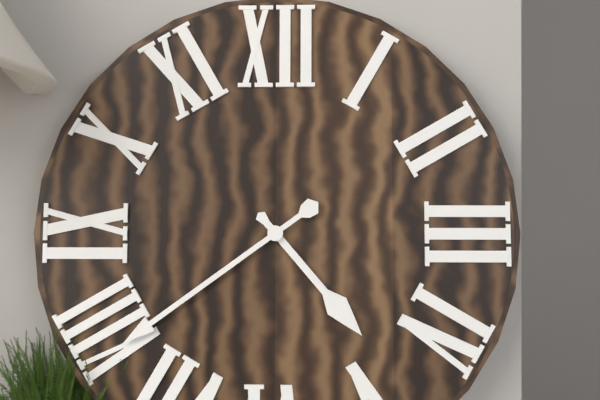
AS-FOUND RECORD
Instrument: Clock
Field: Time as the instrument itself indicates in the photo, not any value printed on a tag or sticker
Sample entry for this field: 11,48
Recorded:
4,39
